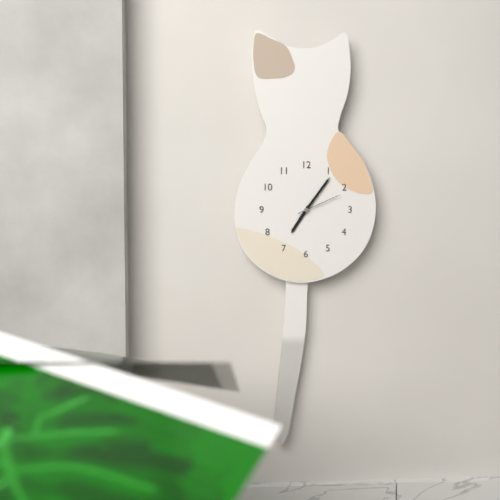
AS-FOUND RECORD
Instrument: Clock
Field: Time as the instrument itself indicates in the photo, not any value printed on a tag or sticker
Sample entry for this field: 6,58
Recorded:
7,06
